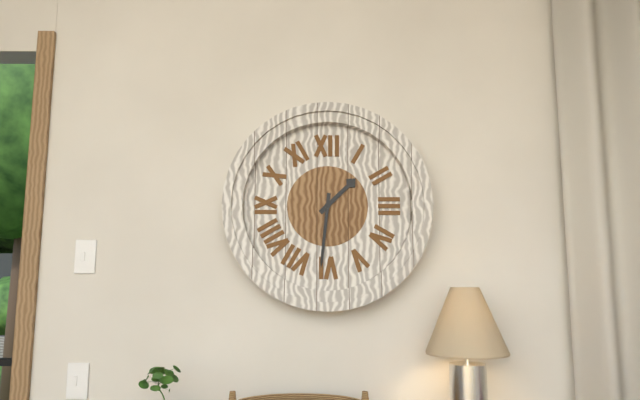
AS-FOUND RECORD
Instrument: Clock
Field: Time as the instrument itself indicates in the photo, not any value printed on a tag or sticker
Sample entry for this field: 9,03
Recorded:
1,31
